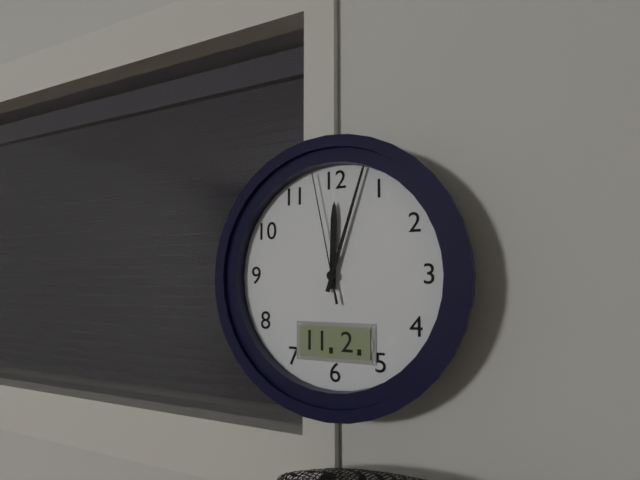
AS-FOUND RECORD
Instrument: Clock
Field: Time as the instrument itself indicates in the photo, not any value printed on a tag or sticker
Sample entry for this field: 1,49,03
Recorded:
12,03,58
